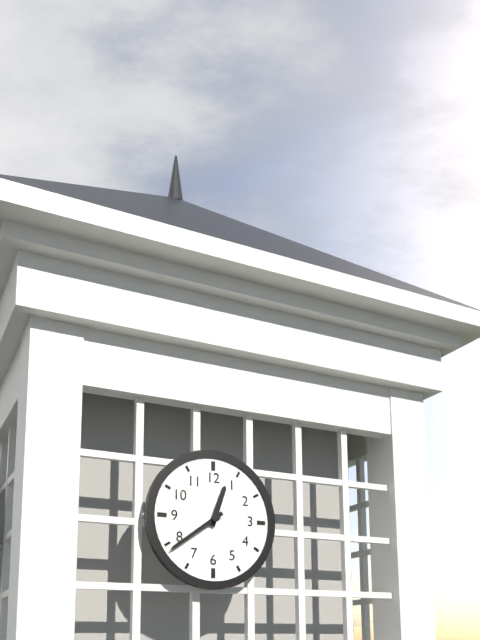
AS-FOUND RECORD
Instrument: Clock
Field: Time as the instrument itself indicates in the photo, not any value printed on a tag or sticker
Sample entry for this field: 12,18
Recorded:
12,39
